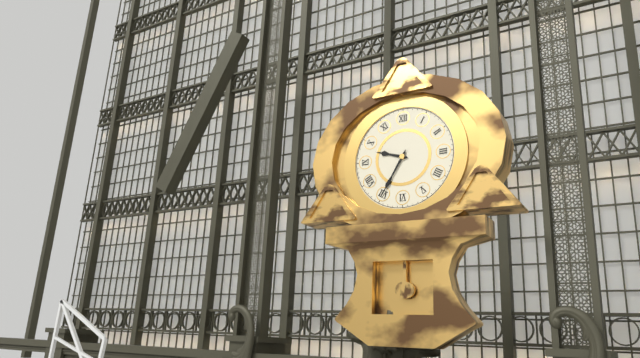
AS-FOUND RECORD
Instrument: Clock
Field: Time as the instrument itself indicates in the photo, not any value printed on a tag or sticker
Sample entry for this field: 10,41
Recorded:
9,35
